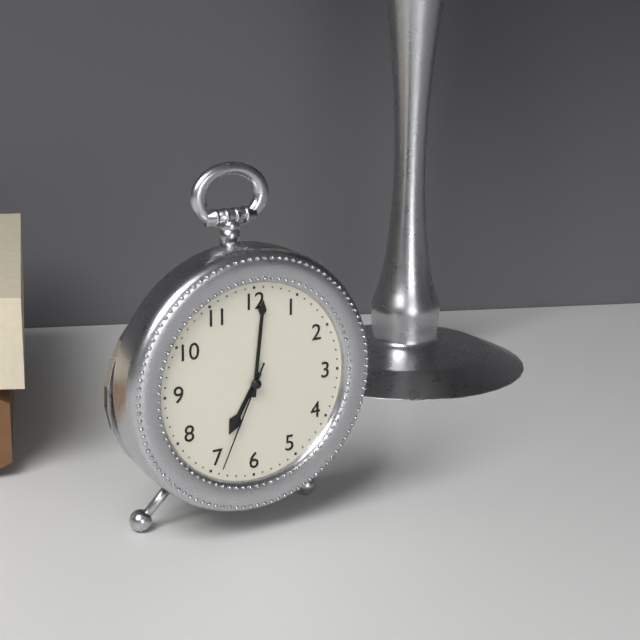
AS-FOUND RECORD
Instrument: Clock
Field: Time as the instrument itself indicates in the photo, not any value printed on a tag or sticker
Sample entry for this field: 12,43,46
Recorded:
7,01,34
